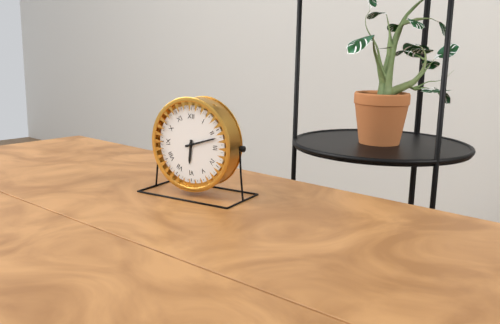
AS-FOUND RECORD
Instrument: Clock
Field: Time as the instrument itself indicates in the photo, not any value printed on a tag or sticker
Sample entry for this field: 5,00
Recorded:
6,12
